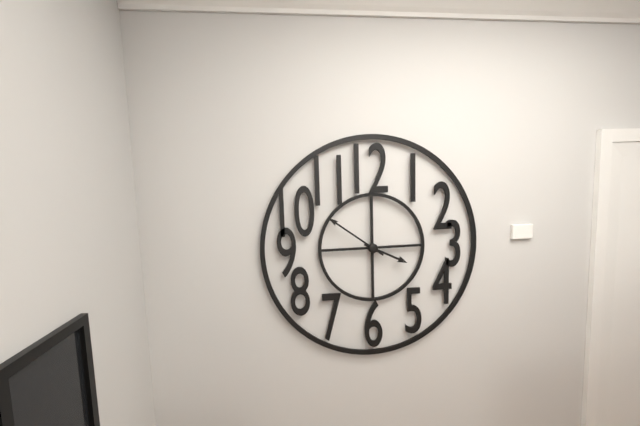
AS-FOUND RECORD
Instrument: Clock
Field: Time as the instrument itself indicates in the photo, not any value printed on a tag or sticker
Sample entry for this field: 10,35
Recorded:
3,51
